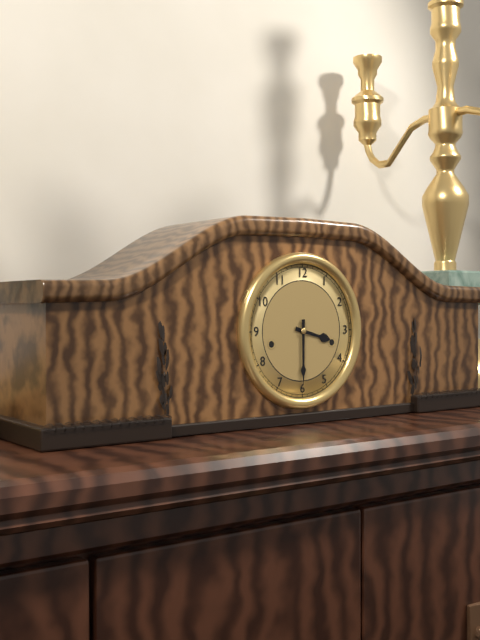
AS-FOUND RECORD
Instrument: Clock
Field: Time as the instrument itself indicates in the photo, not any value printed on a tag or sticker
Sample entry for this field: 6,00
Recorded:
3,30
